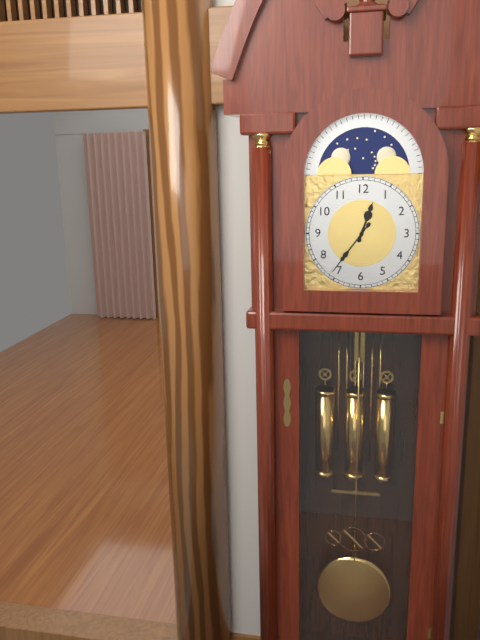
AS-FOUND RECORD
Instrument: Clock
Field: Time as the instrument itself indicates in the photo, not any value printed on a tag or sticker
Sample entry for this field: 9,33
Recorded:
12,36
